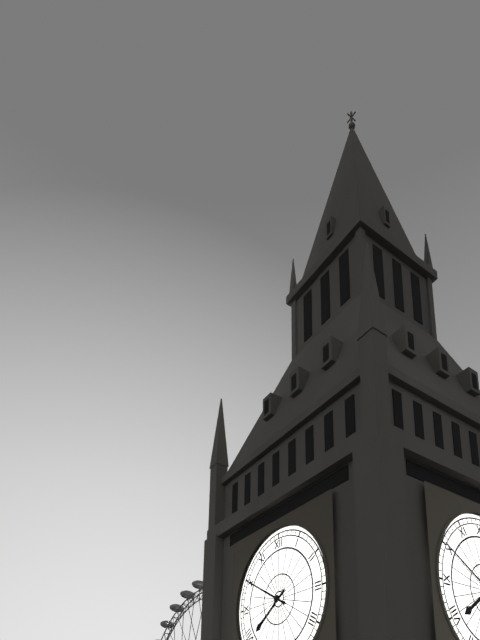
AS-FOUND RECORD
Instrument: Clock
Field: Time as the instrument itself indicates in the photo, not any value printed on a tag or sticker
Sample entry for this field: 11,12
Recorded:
7,50
